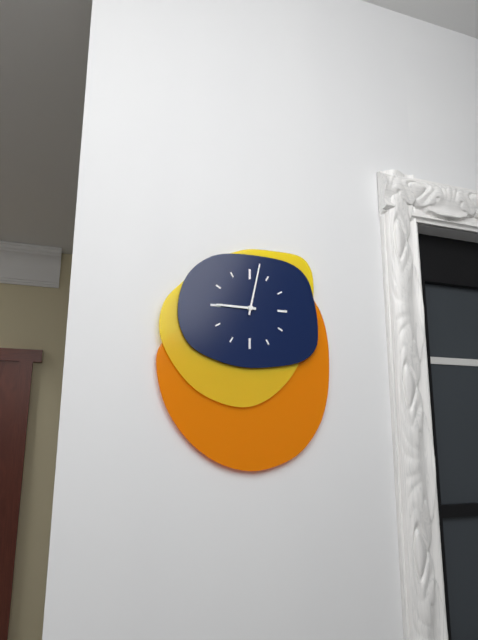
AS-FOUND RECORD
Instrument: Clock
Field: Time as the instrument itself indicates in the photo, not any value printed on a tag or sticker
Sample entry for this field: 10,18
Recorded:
9,02
